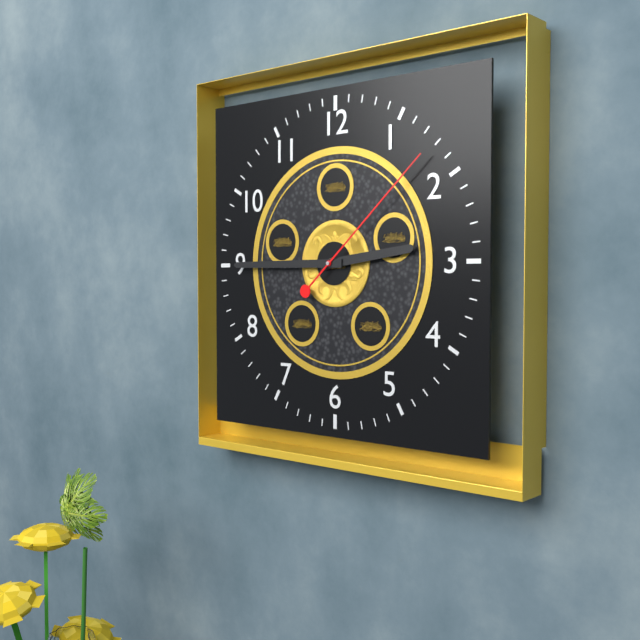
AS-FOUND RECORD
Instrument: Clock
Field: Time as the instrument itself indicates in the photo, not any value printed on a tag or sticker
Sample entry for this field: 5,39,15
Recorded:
2,45,08
